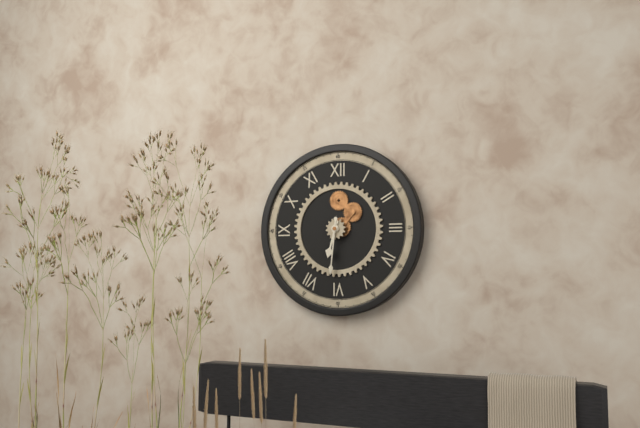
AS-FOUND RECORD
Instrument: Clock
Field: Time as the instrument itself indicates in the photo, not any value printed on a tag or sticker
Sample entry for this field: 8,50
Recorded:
6,31
